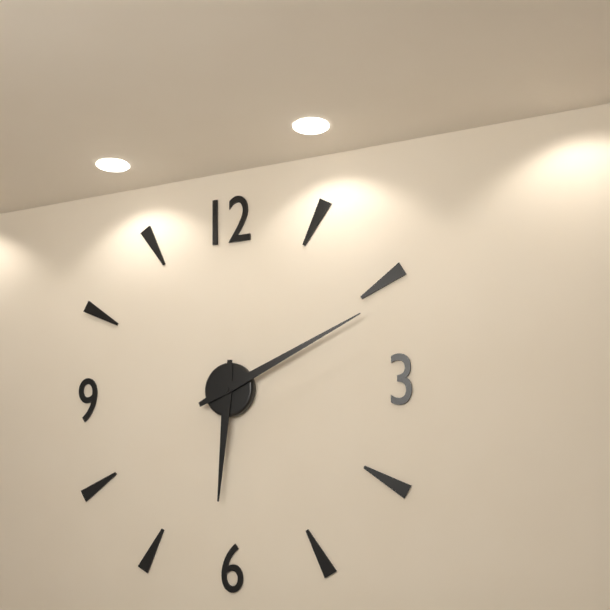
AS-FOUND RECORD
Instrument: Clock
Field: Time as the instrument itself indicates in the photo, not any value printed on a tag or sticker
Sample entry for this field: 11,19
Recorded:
6,11
